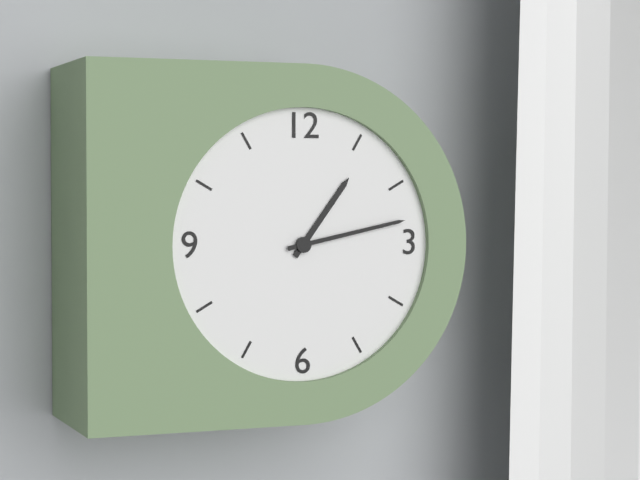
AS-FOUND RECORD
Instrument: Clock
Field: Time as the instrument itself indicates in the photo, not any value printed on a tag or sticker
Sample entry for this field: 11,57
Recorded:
1,13
